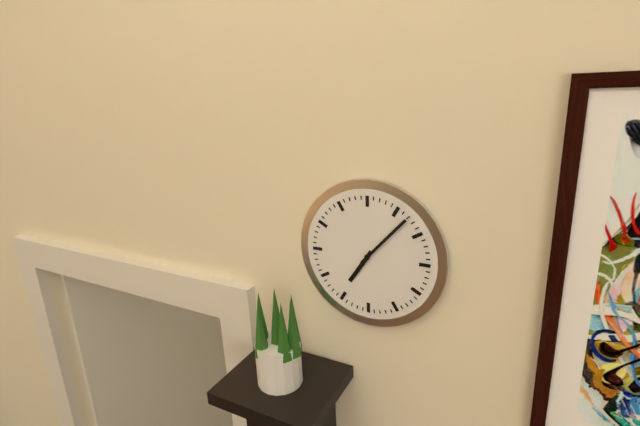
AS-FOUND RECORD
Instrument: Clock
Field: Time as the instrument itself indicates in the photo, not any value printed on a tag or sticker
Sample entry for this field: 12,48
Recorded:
7,07
